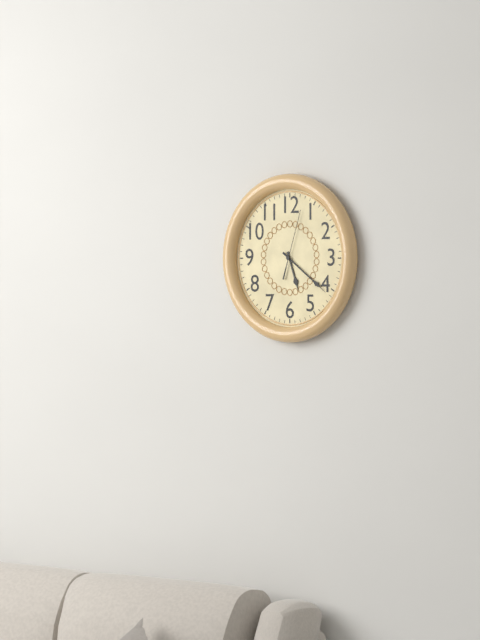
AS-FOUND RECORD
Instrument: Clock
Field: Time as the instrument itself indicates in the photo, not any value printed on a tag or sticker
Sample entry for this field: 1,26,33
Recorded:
5,21,03
